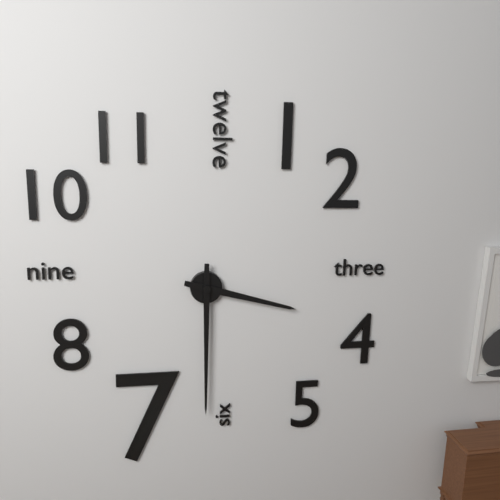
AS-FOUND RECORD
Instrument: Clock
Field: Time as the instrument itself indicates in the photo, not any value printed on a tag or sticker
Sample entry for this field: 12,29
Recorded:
3,30
